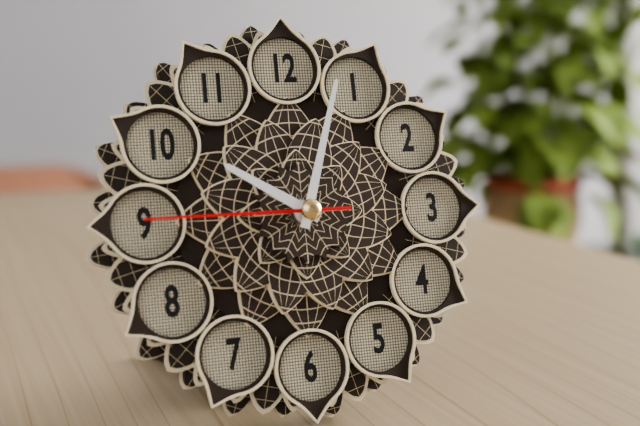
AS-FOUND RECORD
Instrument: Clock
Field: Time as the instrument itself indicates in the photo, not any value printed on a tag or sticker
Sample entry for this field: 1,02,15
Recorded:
10,03,45
